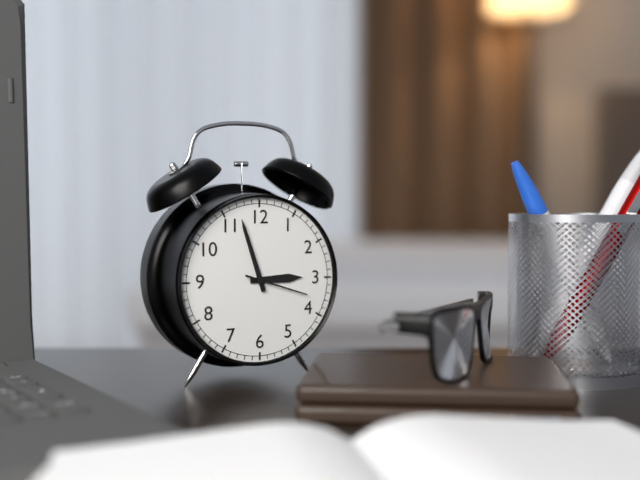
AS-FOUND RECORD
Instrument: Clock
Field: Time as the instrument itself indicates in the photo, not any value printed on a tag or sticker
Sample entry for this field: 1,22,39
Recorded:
2,57,18
